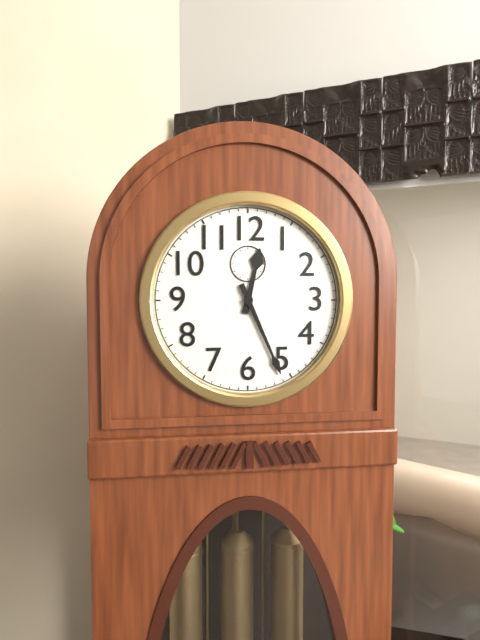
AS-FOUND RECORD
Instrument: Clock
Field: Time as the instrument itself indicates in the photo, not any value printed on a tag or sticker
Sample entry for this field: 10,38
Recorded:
12,26
